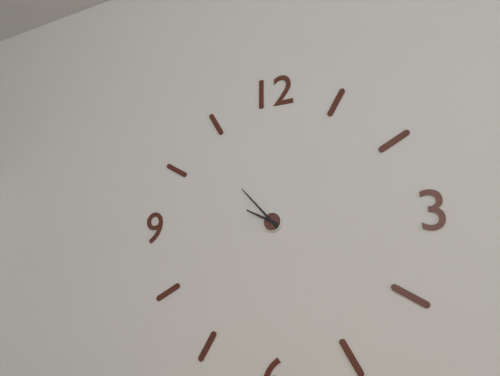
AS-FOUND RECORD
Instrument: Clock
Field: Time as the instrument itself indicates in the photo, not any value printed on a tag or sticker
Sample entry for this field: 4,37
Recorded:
9,53
